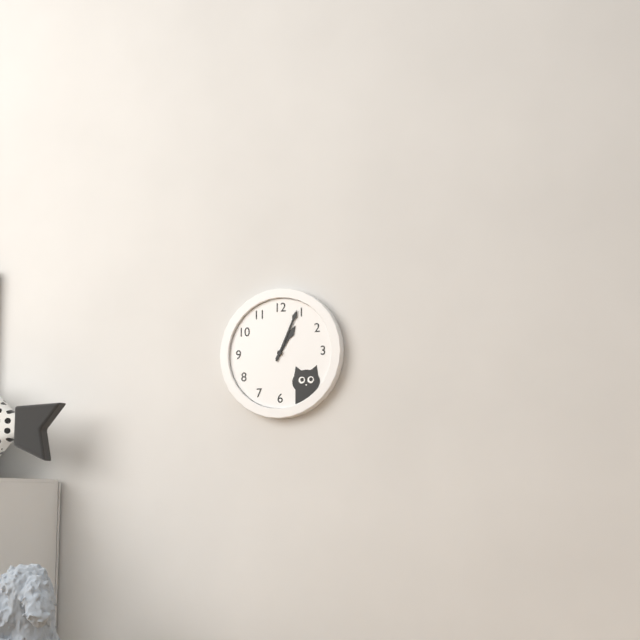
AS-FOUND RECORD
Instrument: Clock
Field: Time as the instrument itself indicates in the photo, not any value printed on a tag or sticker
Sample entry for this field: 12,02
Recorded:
1,04
